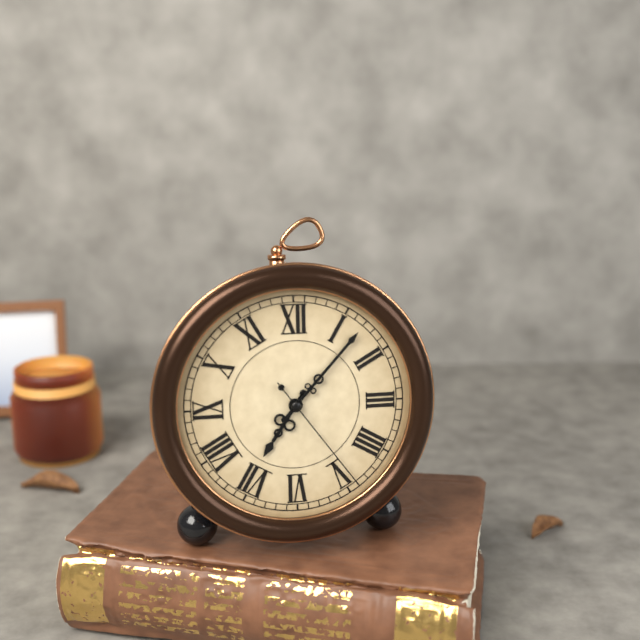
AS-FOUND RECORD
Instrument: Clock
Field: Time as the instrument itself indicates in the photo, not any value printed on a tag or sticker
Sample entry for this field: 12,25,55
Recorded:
7,07,24
